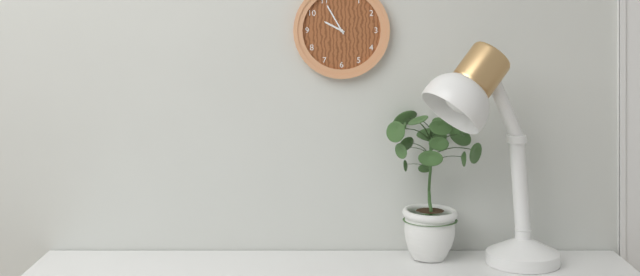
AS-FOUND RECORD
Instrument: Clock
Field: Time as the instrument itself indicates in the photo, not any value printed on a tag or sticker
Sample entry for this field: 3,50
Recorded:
9,55
